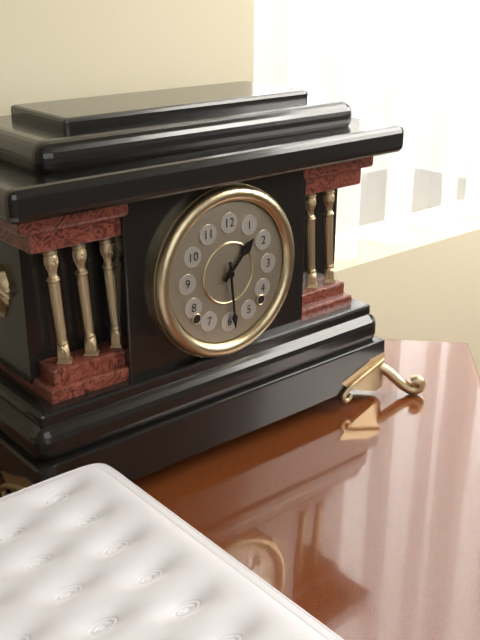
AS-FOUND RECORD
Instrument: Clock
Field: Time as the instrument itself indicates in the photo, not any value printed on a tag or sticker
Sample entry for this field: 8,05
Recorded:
1,29
